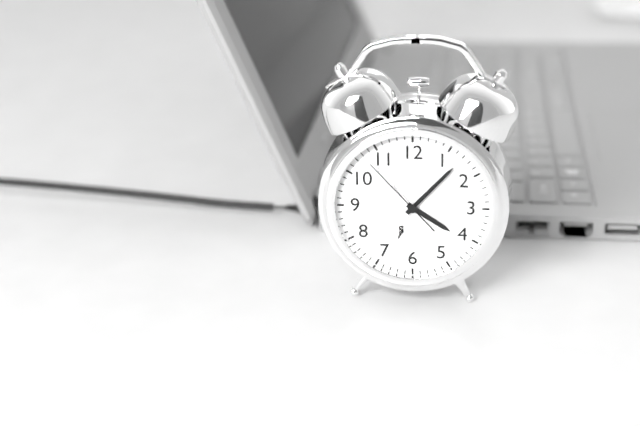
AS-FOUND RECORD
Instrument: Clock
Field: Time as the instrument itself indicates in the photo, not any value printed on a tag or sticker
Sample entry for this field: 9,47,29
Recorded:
4,07,53
